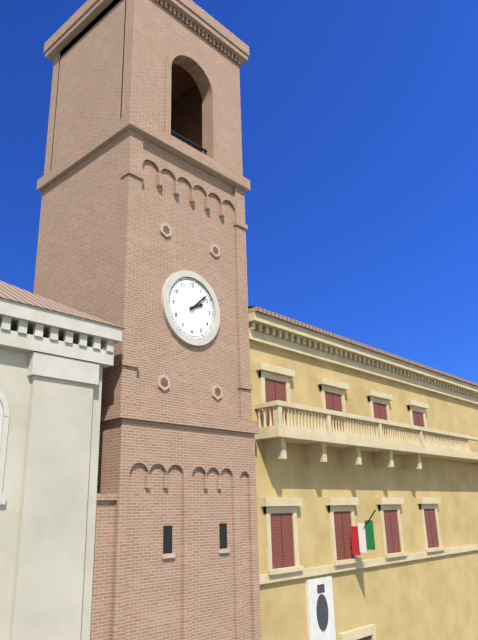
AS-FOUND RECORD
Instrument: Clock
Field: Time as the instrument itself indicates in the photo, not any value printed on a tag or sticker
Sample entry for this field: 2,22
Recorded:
2,08
